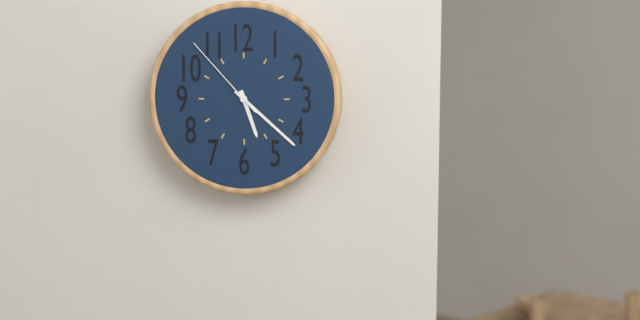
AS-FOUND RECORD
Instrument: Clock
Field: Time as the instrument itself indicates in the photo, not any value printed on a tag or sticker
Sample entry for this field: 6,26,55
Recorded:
5,22,53
